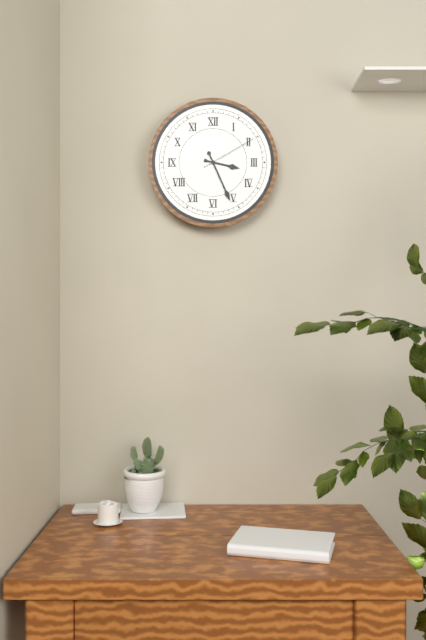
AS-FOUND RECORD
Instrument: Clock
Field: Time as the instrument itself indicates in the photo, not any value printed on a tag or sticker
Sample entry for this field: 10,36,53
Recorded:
3,26,10
